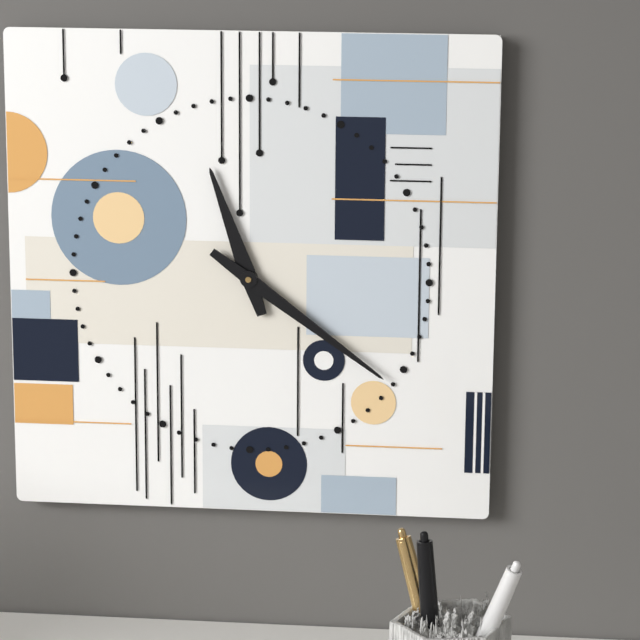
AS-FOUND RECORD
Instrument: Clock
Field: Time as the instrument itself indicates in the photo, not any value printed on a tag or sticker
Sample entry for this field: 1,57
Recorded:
11,21
